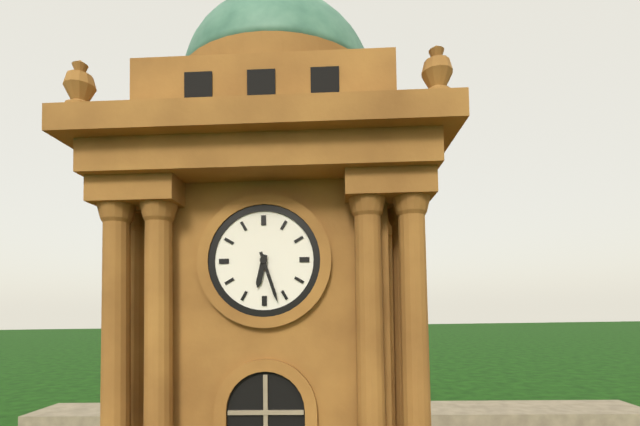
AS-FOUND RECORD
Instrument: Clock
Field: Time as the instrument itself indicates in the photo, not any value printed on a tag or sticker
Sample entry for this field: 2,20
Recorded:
6,27
